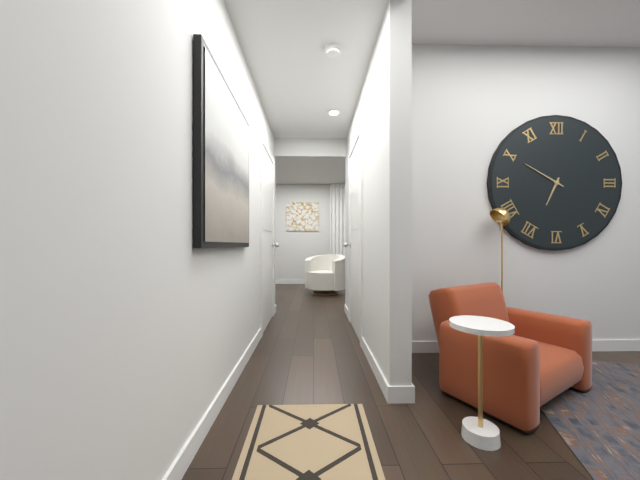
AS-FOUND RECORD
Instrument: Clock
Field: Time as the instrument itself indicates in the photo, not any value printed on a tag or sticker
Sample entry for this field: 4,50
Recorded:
6,50
